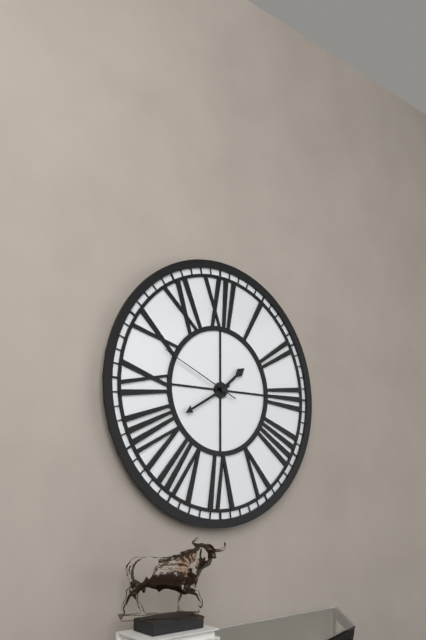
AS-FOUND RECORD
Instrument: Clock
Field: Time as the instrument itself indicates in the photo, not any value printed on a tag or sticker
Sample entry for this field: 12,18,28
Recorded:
1,40,49
